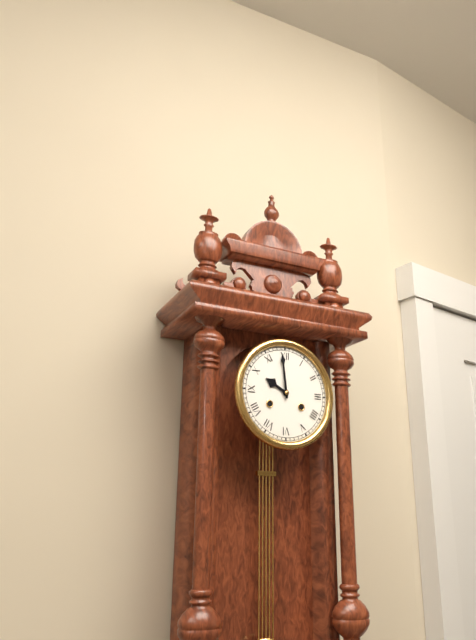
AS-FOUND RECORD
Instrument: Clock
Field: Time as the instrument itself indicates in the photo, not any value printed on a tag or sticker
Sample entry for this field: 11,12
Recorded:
9,59
